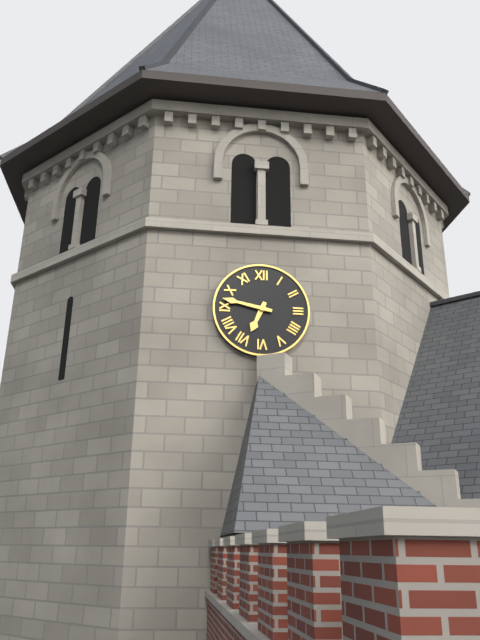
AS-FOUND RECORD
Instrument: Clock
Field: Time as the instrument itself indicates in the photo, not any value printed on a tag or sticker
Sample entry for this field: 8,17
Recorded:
6,47
